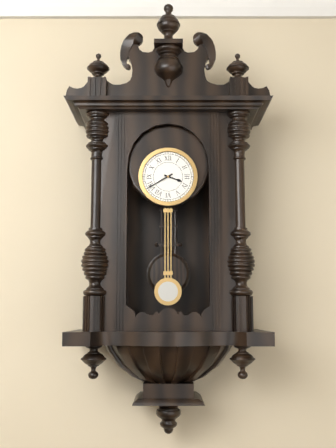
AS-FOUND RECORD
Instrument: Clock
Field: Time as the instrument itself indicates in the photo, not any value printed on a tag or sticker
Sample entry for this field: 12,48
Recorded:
3,40
